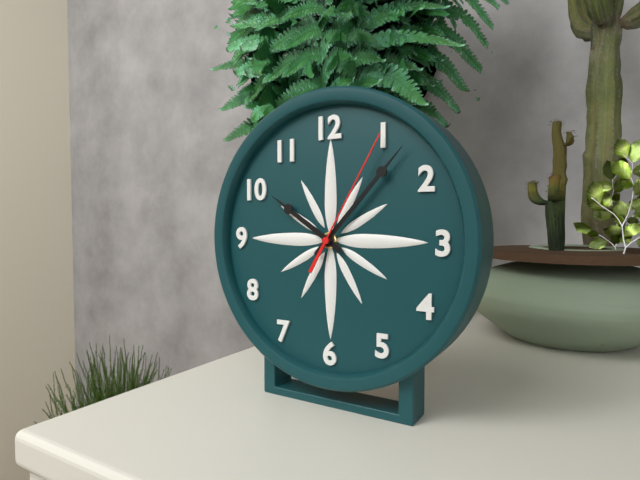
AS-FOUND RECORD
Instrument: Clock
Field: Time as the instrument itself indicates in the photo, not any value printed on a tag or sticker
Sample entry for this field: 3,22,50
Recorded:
10,07,05
